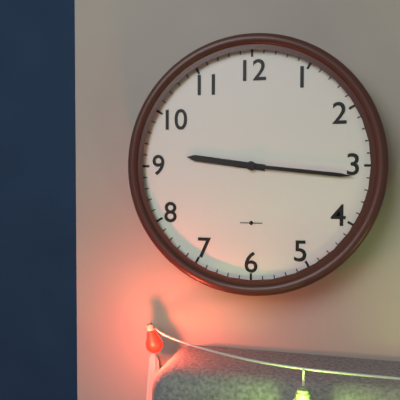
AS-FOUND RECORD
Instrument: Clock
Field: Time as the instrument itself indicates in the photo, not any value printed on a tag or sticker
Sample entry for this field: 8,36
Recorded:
9,16
